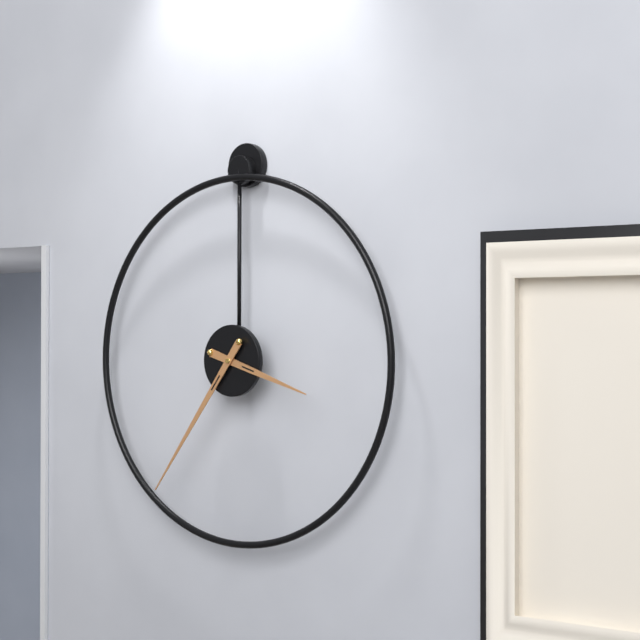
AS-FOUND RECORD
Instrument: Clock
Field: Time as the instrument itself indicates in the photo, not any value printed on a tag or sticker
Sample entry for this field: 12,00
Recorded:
3,36
